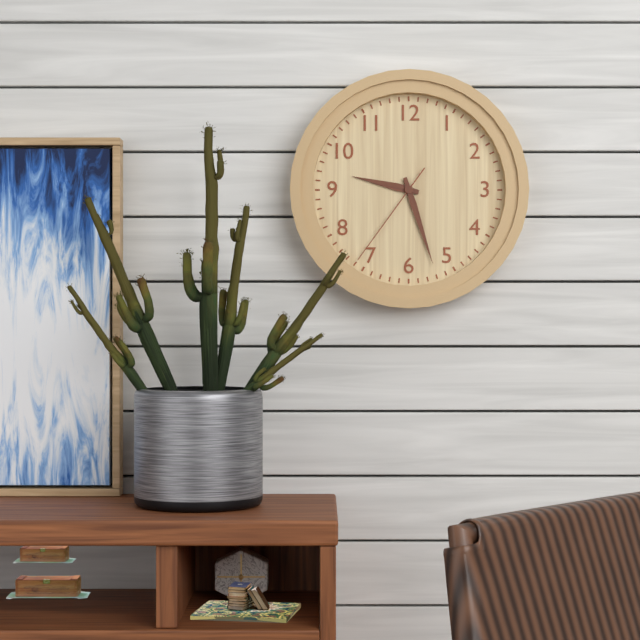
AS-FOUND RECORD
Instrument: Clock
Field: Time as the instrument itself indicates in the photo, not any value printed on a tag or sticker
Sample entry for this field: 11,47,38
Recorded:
9,27,36
